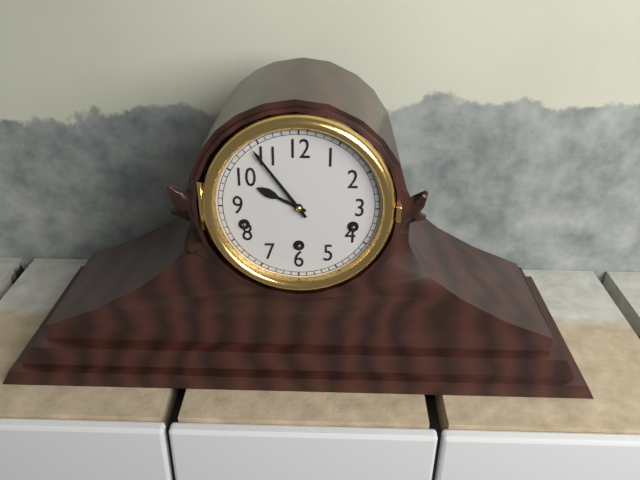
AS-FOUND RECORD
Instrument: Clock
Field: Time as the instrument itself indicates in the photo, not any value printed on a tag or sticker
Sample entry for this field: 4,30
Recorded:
9,54
